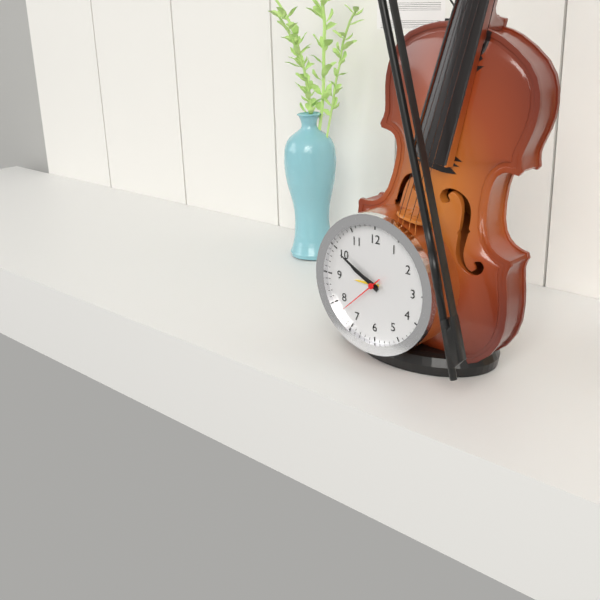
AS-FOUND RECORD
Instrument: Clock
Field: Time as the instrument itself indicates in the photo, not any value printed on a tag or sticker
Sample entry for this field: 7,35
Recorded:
9,50
